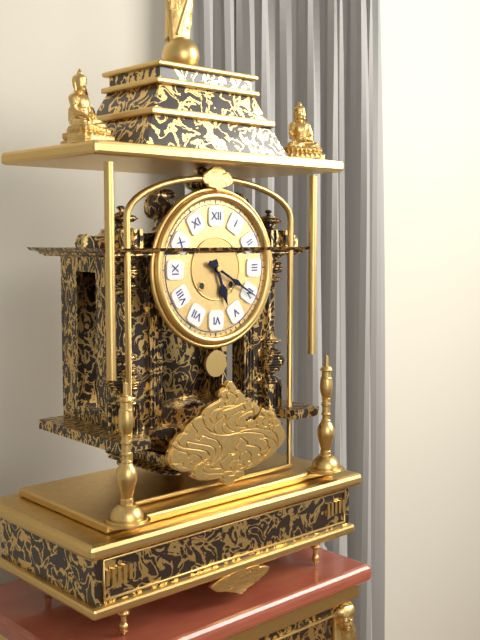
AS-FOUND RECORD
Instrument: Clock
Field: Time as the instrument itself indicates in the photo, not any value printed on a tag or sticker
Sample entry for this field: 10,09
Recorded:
5,20
